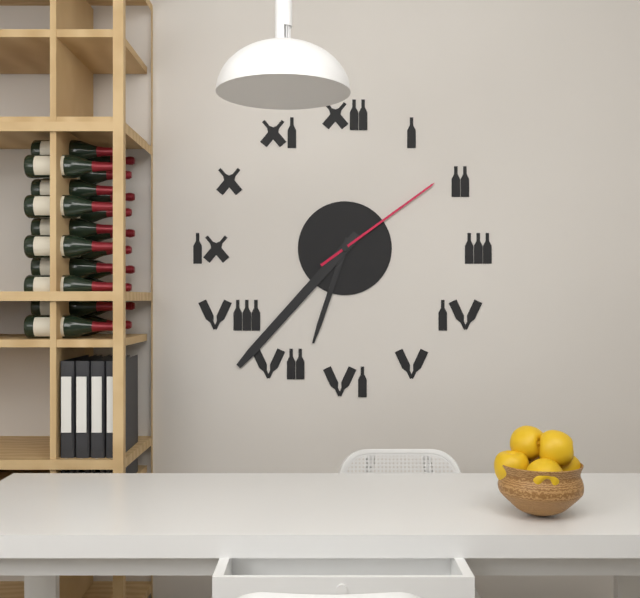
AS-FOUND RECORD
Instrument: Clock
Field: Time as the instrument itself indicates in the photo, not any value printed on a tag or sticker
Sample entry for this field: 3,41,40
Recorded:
6,37,09
